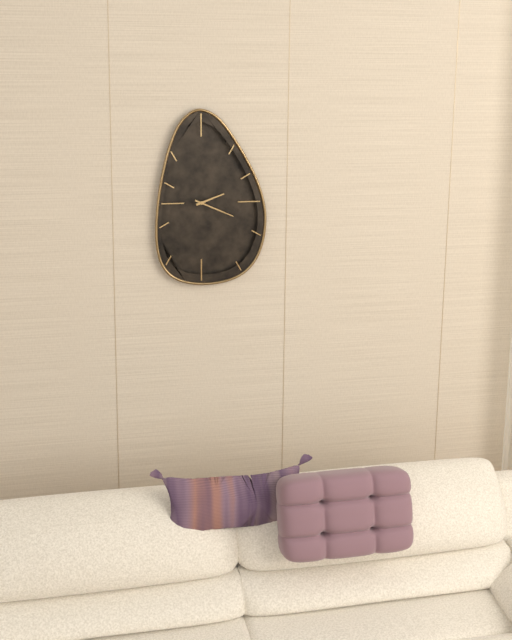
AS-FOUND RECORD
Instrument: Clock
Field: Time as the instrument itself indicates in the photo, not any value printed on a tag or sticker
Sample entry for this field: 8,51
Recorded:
2,19
